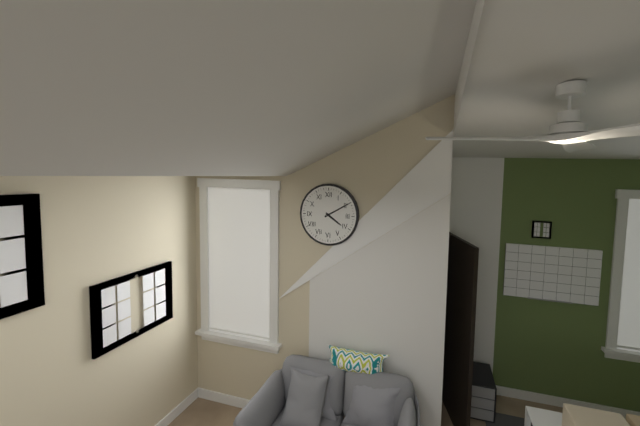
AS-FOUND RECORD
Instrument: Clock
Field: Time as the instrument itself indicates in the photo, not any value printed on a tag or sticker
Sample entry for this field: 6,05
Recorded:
4,10
